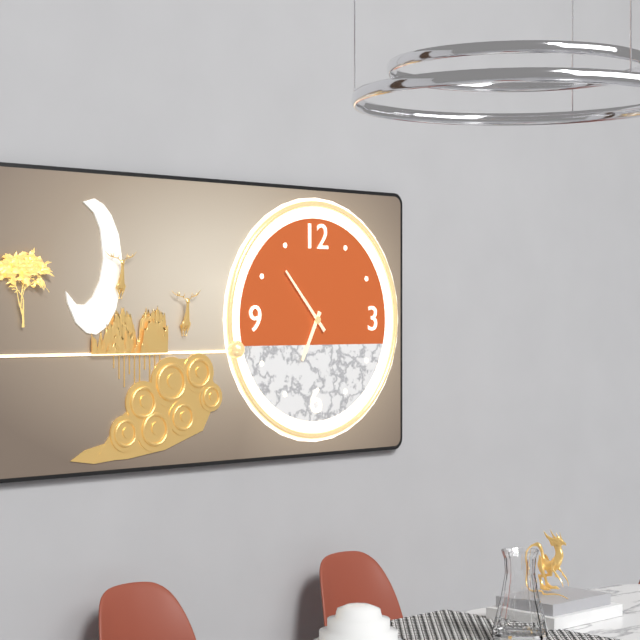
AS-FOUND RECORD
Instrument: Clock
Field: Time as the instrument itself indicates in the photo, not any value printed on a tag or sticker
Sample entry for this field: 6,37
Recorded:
6,53
